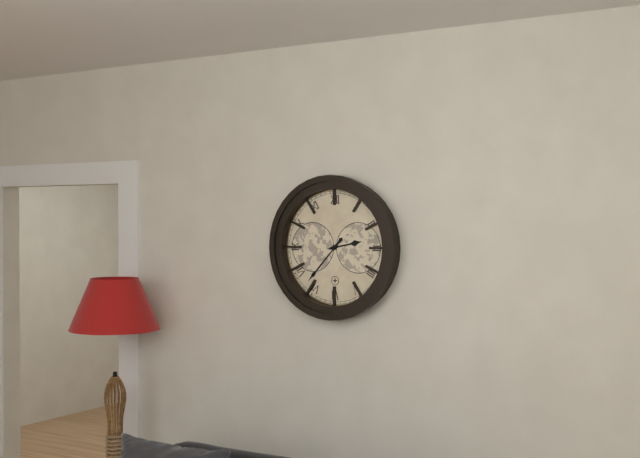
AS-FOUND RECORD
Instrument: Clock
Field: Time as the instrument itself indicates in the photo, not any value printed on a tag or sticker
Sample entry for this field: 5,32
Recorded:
2,37
